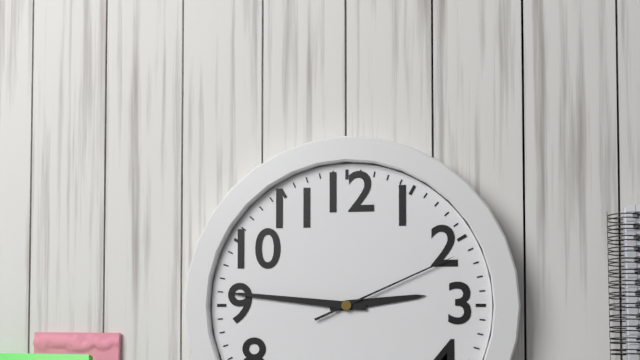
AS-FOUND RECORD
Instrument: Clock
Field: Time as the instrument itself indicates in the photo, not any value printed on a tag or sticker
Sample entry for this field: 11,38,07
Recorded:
2,46,11
